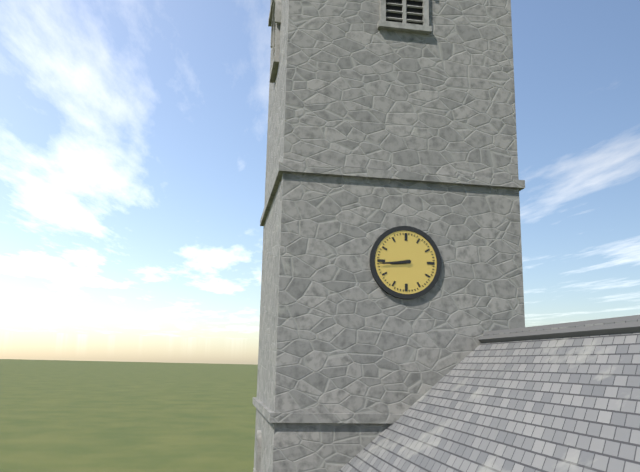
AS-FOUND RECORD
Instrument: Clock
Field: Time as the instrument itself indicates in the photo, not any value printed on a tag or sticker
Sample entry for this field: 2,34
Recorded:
8,44
